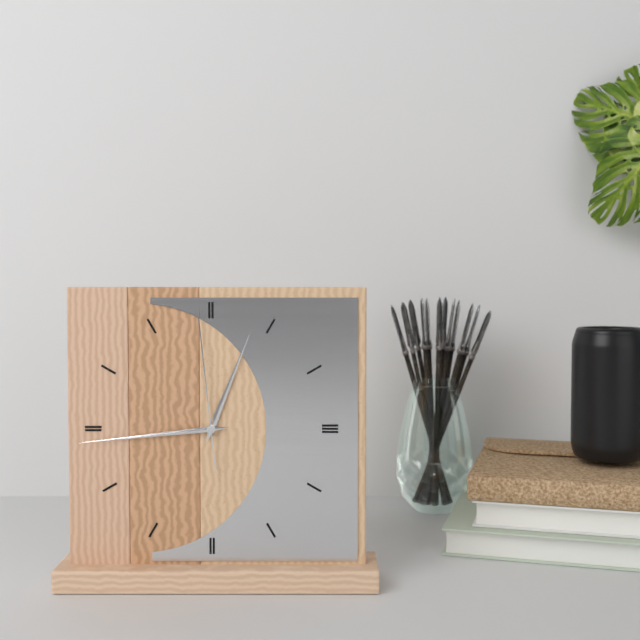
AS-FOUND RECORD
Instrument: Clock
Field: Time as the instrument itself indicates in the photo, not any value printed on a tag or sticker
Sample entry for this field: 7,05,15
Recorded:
12,44,59
